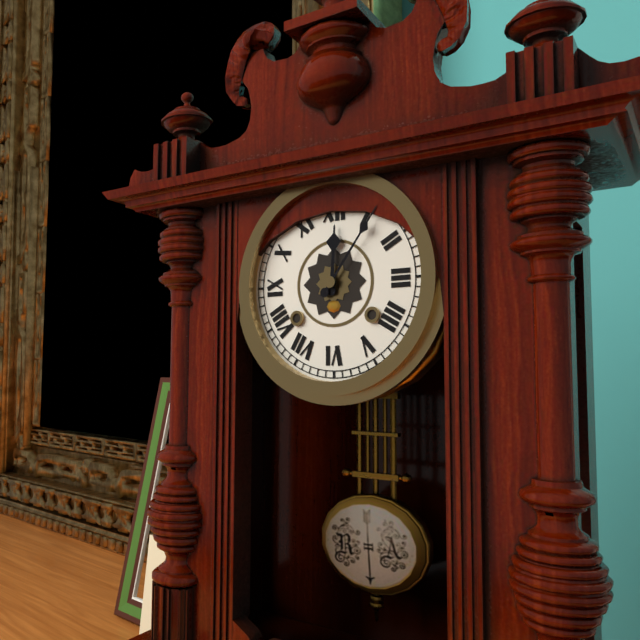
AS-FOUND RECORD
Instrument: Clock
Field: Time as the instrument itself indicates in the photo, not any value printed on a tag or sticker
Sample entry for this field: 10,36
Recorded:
12,06
